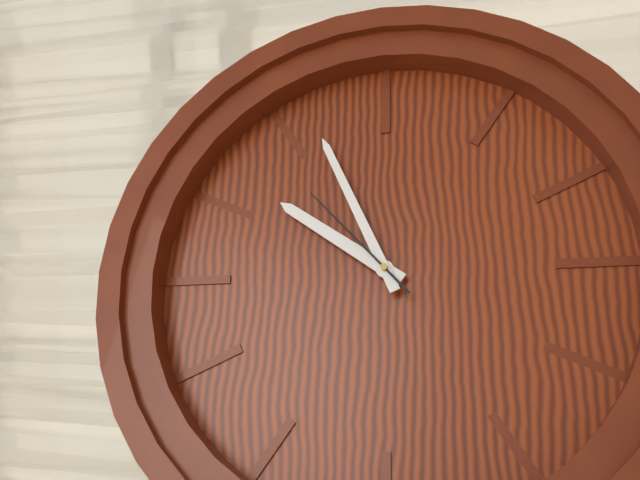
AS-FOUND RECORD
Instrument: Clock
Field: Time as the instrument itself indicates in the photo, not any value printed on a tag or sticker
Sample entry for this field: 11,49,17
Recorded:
1,11,08
